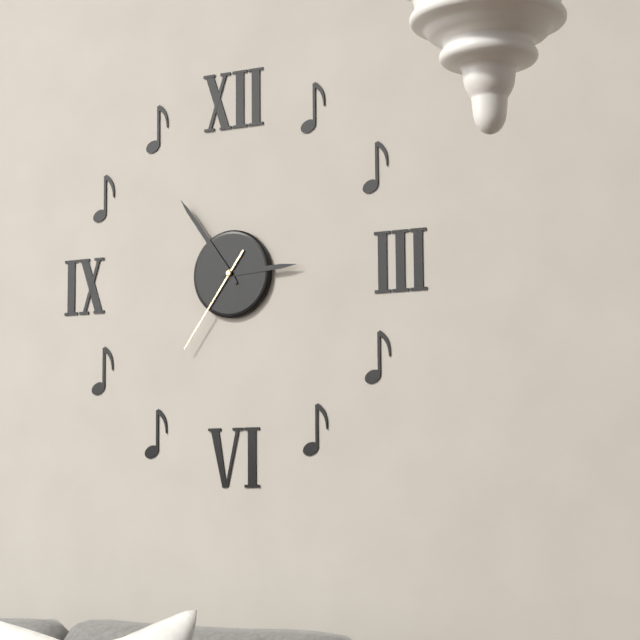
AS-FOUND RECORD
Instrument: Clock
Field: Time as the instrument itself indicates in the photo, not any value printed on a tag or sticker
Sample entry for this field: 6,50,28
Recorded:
2,54,36
